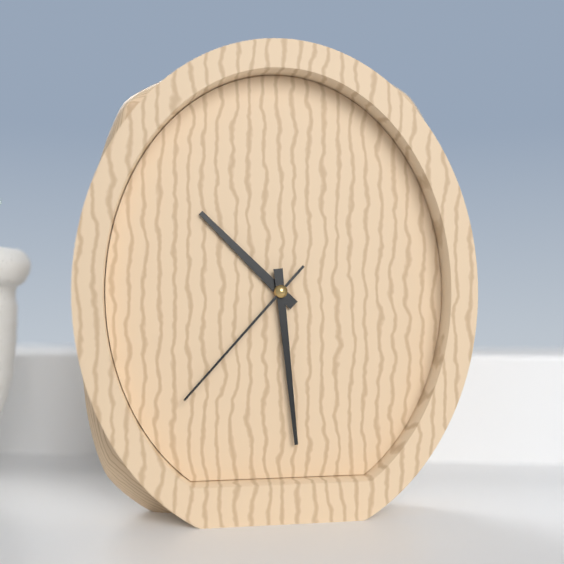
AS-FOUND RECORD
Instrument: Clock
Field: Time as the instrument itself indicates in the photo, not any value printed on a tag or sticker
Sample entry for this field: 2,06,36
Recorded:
10,29,37
